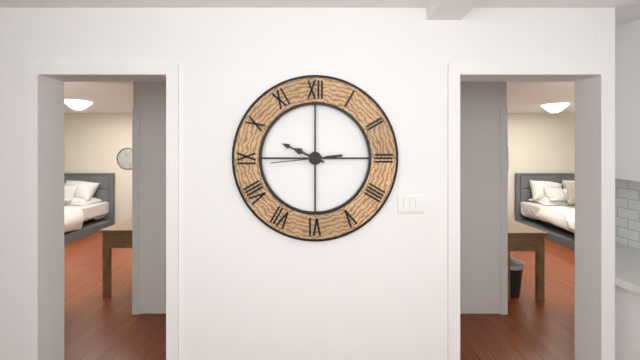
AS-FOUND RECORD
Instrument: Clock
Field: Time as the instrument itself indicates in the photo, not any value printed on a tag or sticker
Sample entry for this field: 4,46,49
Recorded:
9,49,44
